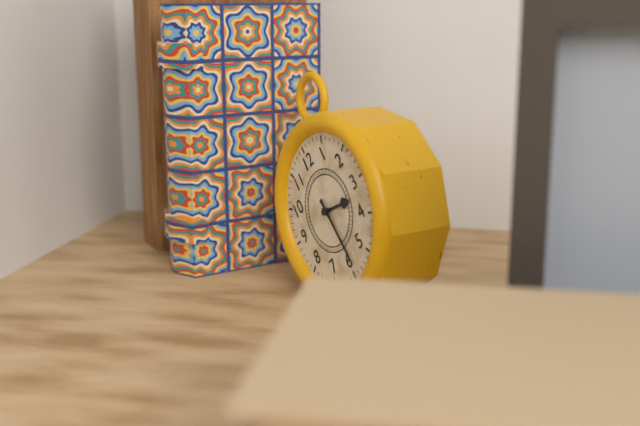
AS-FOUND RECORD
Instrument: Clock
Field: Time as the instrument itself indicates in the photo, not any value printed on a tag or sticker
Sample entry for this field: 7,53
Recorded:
3,29
